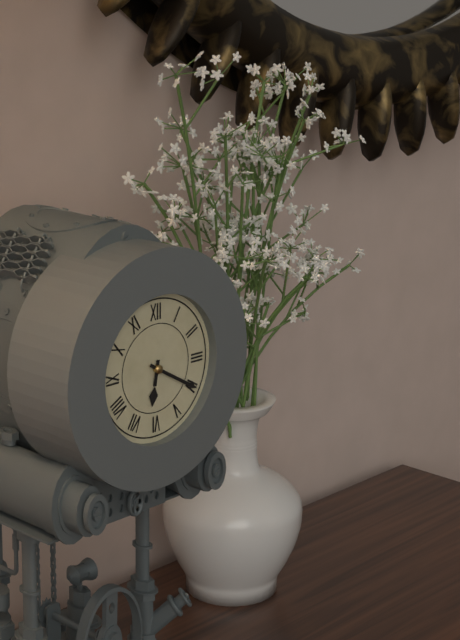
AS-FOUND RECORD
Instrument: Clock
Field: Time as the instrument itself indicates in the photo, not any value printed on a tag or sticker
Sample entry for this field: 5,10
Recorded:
6,20
